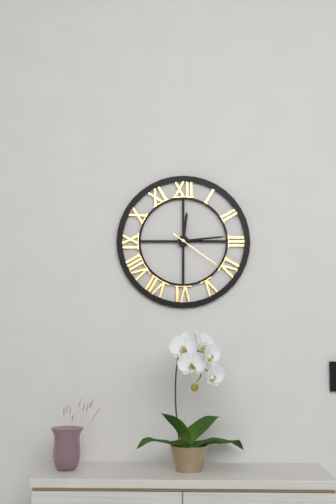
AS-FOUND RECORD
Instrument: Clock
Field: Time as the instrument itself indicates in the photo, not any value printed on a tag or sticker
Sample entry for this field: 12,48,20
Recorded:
12,14,21
